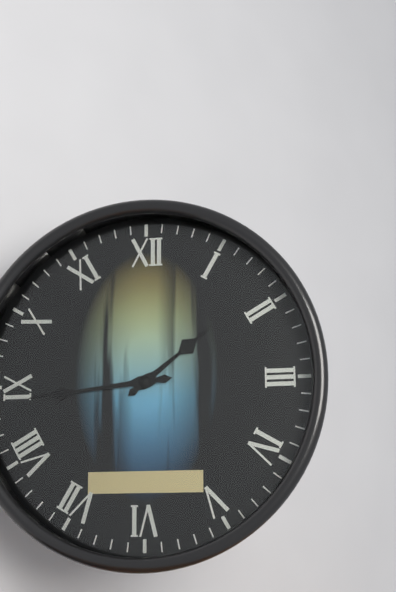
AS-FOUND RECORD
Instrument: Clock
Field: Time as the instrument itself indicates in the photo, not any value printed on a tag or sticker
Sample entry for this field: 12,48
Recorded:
1,44
